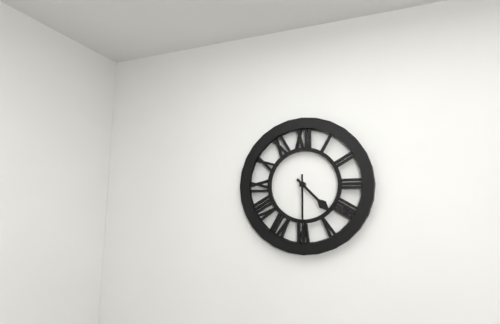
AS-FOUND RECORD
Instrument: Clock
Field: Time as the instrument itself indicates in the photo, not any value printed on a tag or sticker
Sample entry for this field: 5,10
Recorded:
4,30
